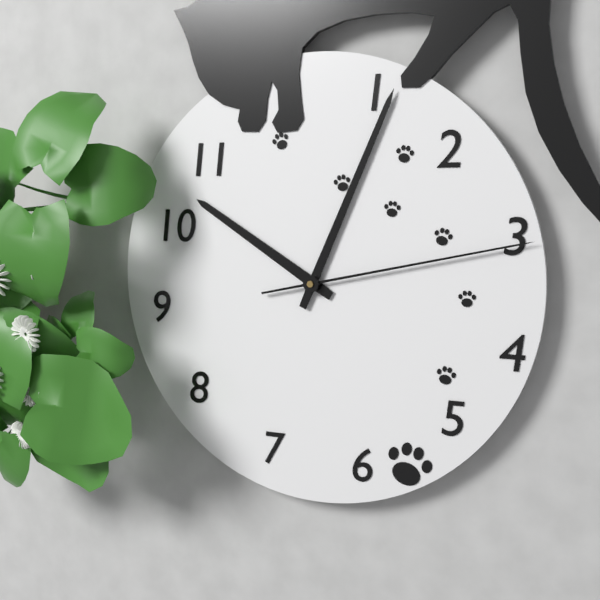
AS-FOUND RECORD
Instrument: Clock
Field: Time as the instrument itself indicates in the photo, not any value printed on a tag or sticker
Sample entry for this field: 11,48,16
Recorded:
10,04,13
